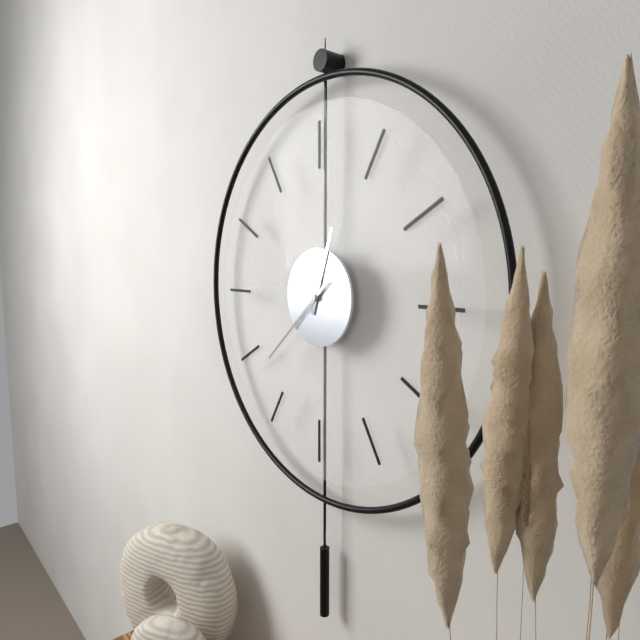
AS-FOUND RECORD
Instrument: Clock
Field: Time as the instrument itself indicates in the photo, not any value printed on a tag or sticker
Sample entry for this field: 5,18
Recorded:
12,38
